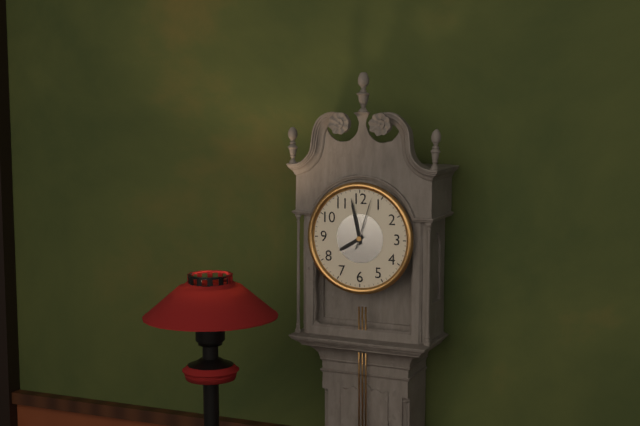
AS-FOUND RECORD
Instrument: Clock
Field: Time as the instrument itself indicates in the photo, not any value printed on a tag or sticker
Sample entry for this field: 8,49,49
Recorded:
7,58,03
